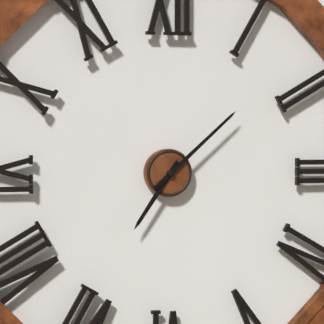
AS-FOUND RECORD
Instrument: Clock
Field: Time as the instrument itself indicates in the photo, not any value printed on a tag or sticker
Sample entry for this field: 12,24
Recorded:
7,08
